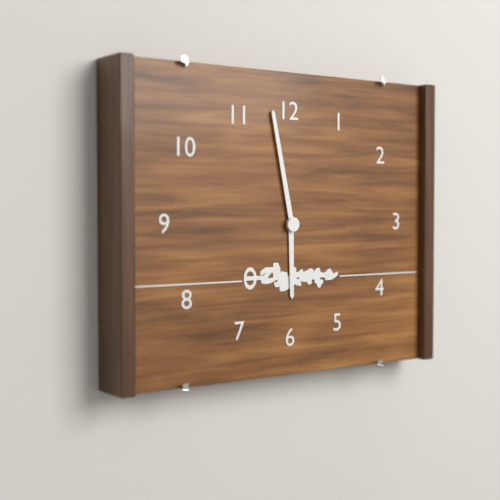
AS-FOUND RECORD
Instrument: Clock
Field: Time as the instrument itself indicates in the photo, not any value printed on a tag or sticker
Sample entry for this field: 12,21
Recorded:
5,58
